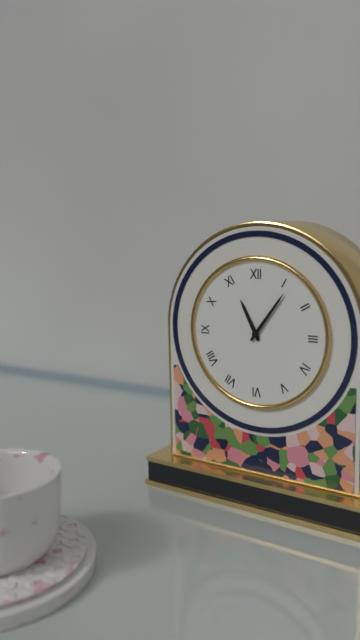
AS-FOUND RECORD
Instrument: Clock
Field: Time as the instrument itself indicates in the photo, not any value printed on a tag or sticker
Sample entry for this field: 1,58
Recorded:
11,06
